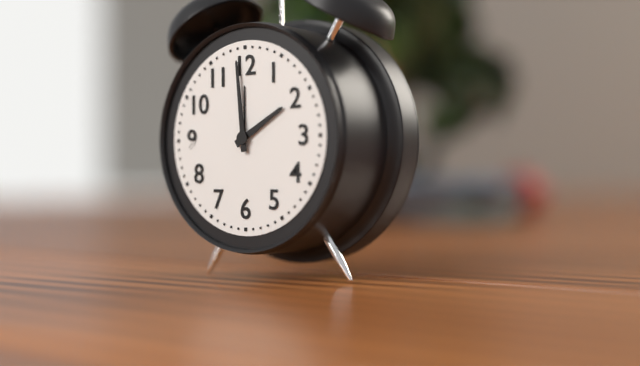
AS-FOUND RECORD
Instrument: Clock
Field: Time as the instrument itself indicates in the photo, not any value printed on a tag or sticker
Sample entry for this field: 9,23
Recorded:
1,59
